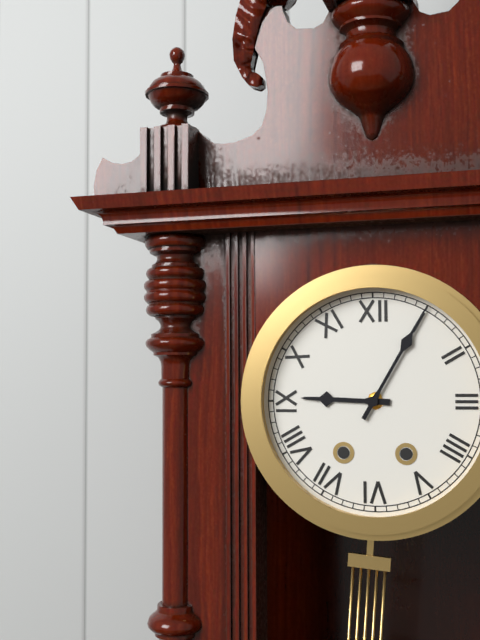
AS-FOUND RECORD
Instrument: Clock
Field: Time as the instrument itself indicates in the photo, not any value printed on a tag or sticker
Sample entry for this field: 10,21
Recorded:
9,05
